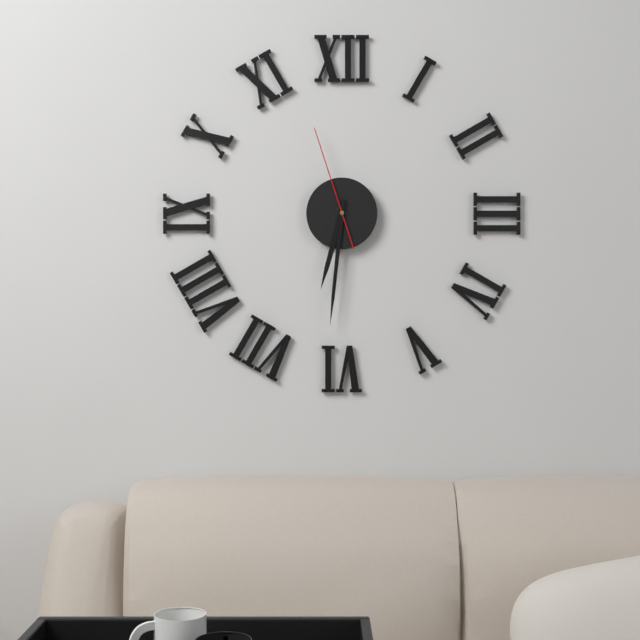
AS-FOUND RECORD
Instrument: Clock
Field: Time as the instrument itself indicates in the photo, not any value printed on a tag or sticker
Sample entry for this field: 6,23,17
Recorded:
6,31,57
